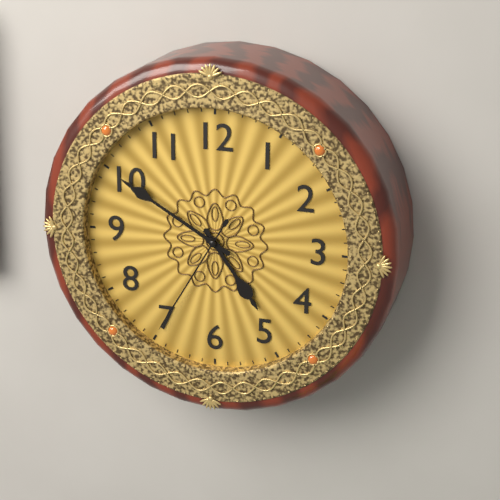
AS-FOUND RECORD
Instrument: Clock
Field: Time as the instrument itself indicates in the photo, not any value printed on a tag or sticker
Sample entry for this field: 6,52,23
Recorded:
4,50,35
